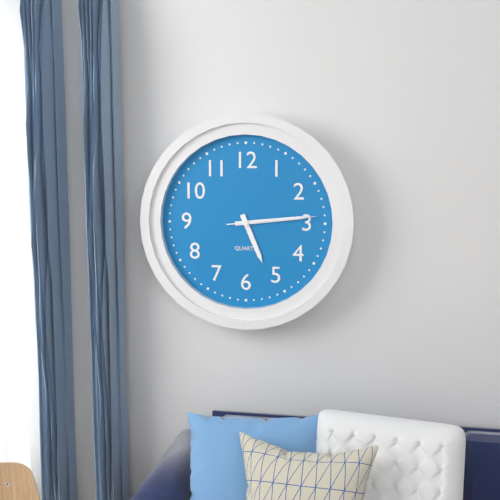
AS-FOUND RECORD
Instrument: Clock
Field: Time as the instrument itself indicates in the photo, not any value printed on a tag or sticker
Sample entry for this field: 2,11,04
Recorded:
5,14,14
